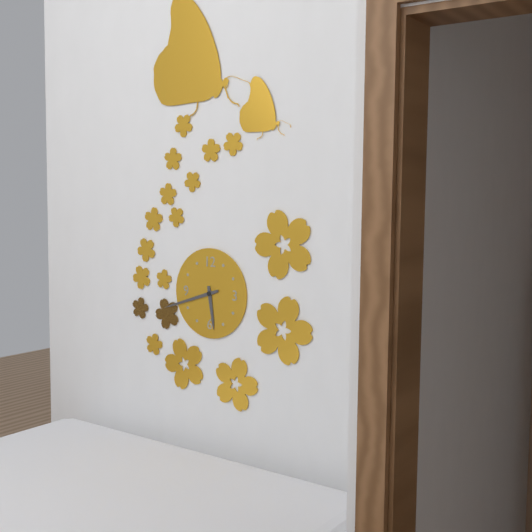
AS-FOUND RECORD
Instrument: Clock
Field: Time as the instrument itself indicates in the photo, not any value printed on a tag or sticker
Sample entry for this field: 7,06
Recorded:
5,42
